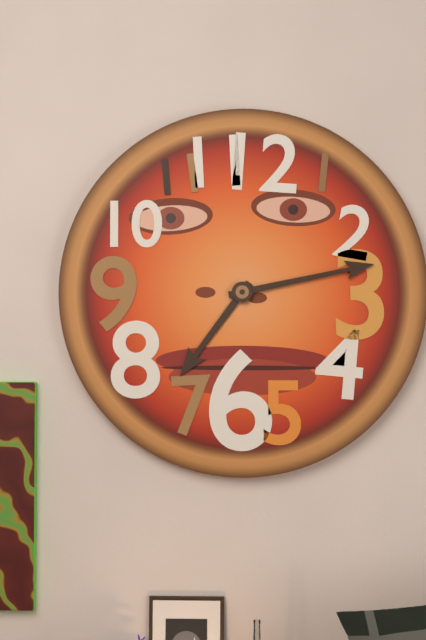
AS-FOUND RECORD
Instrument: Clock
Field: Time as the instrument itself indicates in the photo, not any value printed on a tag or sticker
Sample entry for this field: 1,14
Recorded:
7,13
